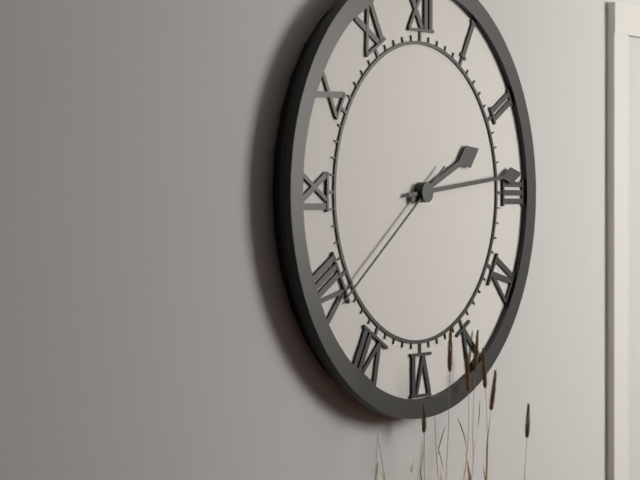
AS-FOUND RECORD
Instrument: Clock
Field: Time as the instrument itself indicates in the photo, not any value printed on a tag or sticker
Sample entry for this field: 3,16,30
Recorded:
2,14,39
